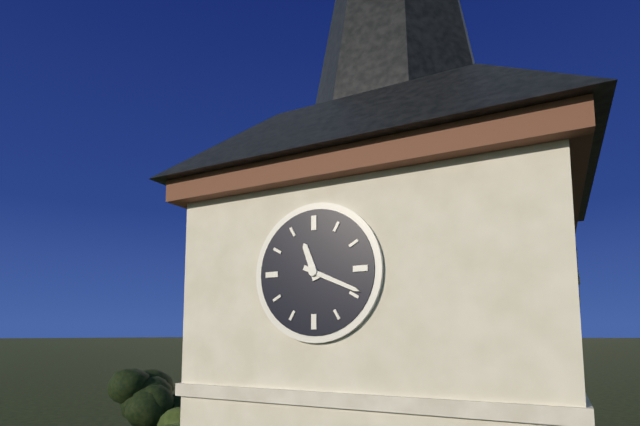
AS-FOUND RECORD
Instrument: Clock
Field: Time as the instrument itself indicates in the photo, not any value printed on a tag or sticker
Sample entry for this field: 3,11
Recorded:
11,19
